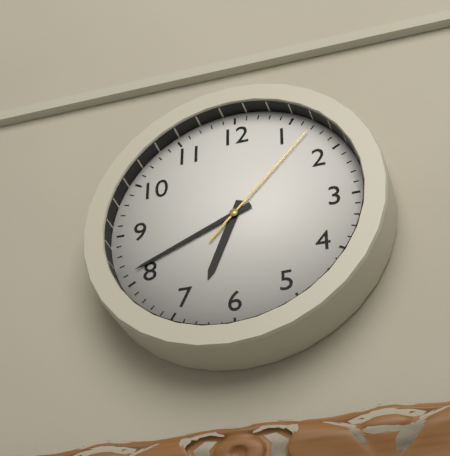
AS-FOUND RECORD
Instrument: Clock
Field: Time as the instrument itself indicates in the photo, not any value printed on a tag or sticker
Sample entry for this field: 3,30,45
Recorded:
6,41,07
